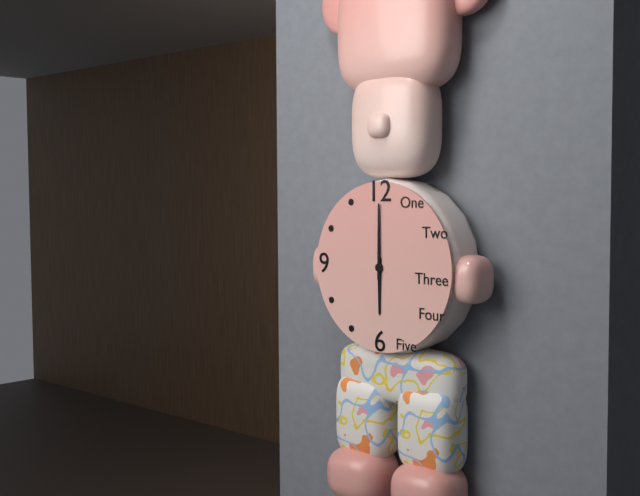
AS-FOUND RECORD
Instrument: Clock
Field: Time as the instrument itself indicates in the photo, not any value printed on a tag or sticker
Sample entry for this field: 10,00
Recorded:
6,00
